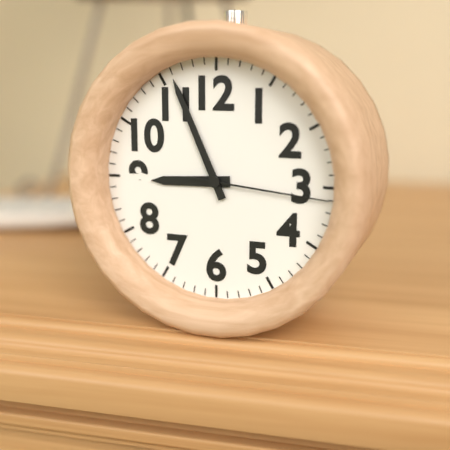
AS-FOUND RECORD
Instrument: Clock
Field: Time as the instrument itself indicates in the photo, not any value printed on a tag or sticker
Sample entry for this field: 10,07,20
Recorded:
8,56,16
